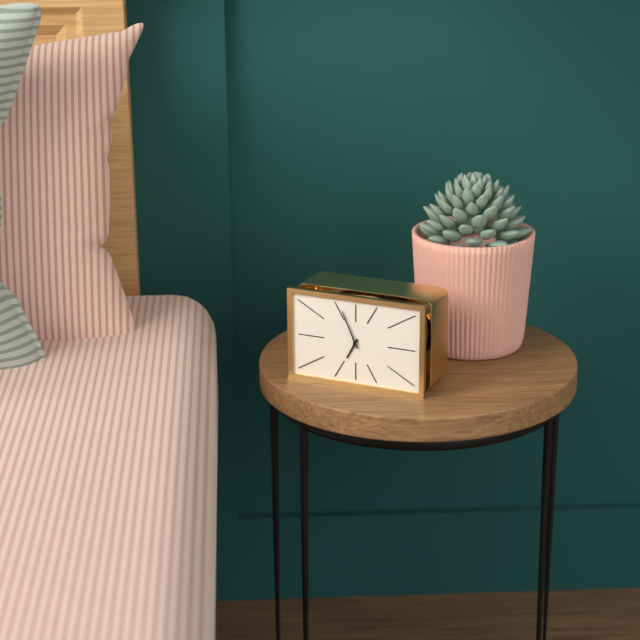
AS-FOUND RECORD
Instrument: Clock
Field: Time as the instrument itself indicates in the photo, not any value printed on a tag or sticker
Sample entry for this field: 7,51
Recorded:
6,56
